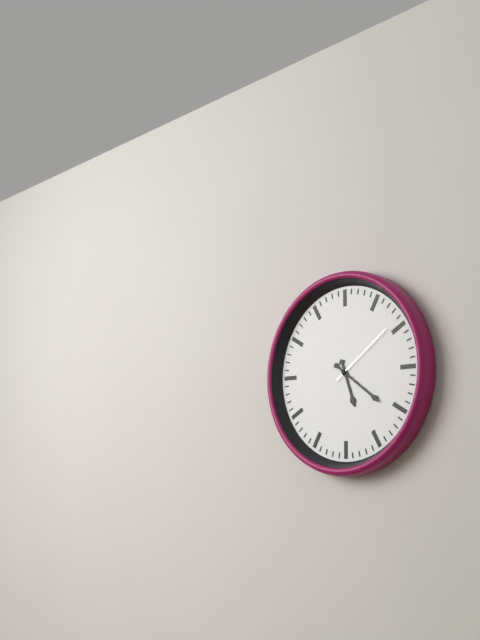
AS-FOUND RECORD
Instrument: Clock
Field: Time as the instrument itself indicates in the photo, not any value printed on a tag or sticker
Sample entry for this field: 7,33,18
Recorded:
5,21,09
